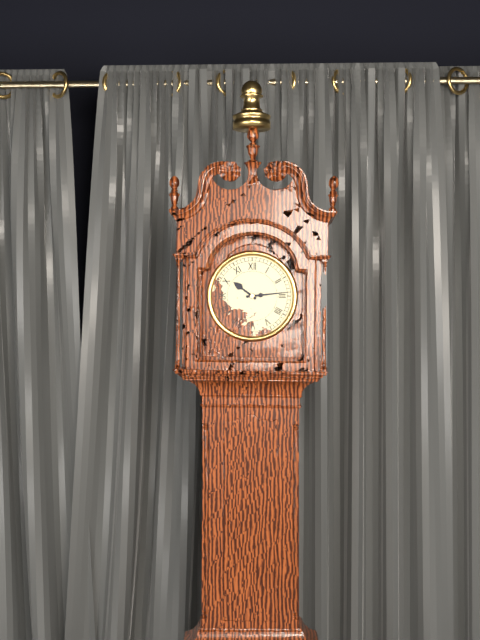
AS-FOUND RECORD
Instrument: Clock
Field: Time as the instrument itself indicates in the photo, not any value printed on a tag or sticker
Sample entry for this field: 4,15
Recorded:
10,14
